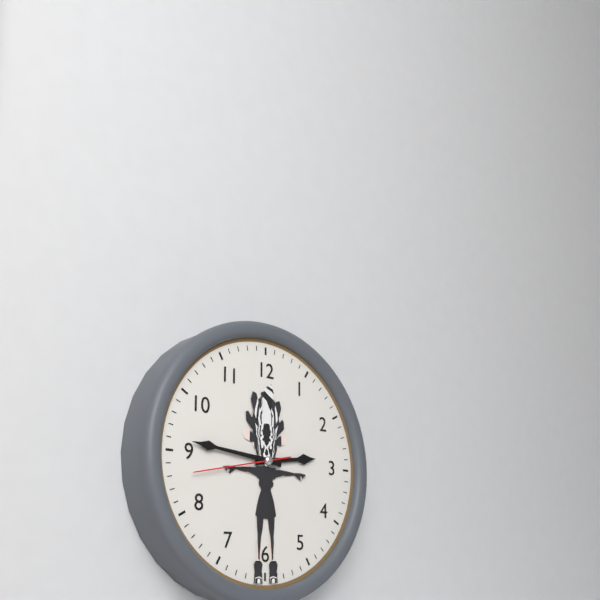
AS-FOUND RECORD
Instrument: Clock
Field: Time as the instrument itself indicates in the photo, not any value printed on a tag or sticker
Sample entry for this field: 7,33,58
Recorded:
2,46,43
